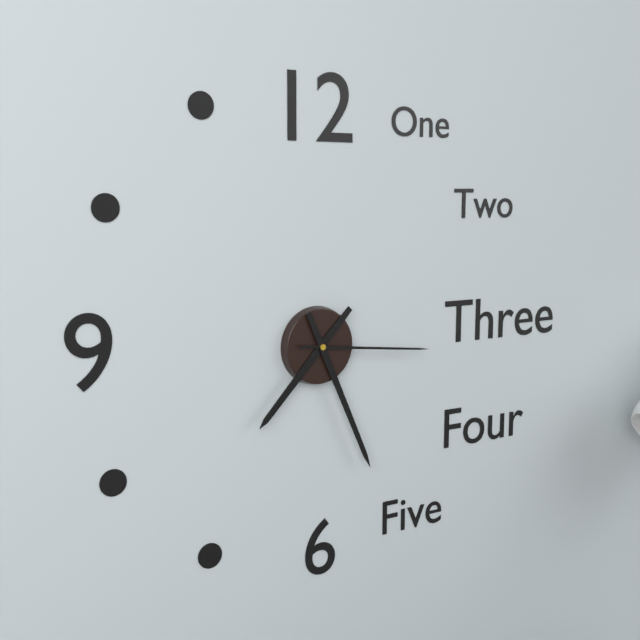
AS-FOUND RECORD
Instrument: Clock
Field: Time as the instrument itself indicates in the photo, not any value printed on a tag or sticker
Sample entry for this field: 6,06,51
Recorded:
7,26,16
